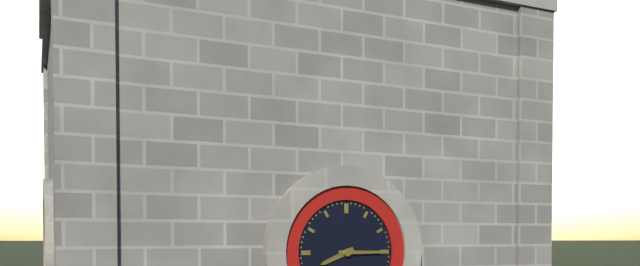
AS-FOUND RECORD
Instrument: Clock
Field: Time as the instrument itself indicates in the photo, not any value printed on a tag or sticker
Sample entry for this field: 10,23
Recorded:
8,15
